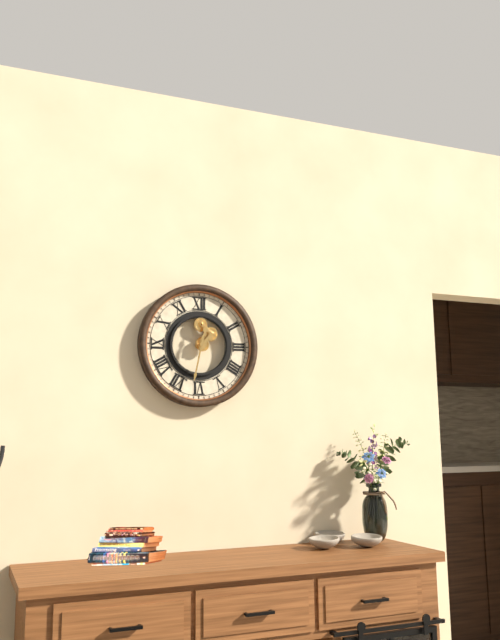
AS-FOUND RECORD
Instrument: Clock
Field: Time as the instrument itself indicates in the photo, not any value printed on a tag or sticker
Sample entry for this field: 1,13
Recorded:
12,32
